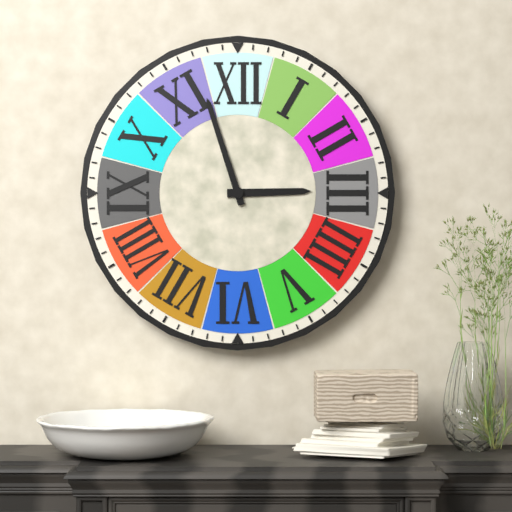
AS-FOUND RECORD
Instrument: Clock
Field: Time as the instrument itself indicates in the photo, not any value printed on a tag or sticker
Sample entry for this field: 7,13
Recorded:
2,57
